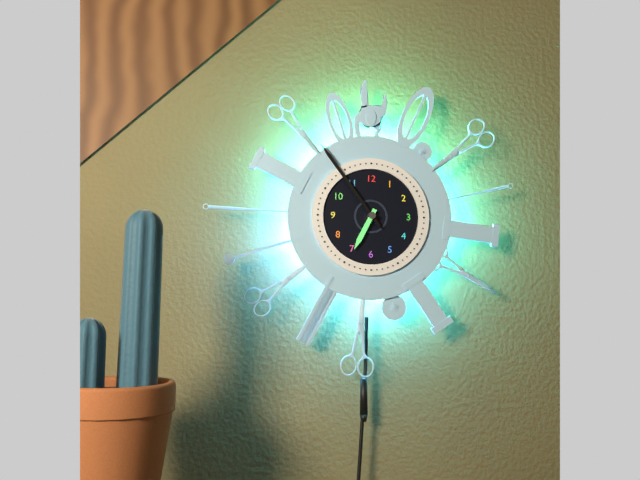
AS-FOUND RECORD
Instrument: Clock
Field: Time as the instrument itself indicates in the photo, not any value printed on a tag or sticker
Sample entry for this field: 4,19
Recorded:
6,54
